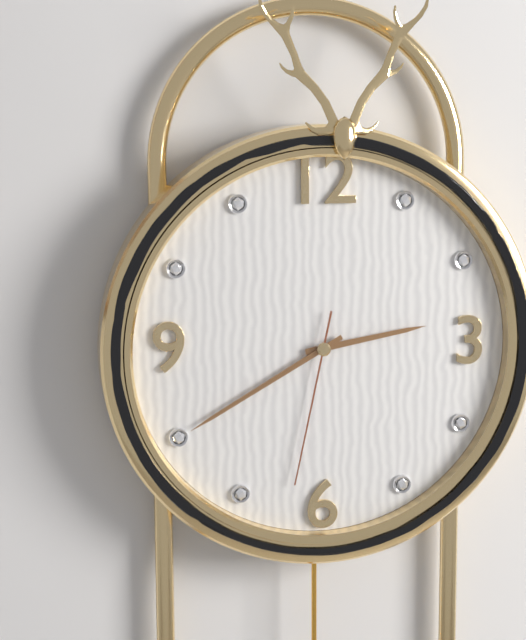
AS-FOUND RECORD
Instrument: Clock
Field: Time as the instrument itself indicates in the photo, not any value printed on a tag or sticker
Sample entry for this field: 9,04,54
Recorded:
2,40,32
